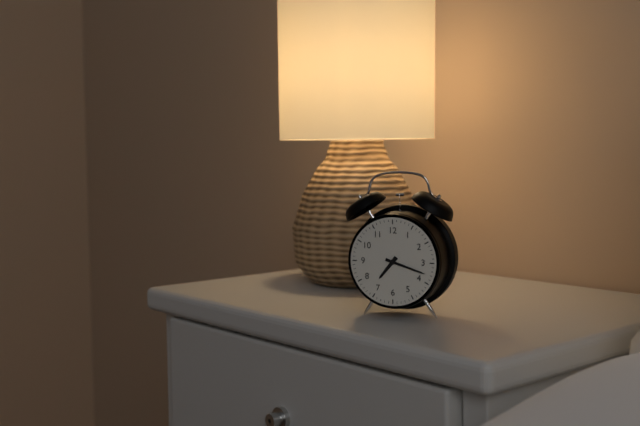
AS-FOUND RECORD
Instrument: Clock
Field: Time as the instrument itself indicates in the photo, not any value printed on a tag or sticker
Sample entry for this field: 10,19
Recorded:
7,18
